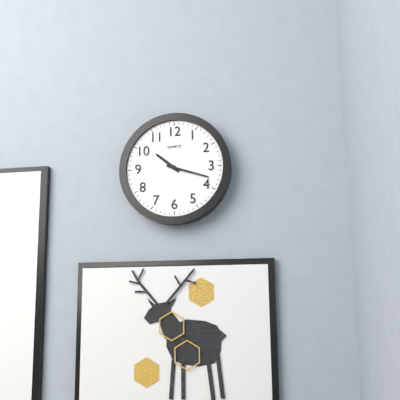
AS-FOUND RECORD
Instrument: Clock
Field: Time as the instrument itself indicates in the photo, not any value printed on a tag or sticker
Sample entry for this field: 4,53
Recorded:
10,18
